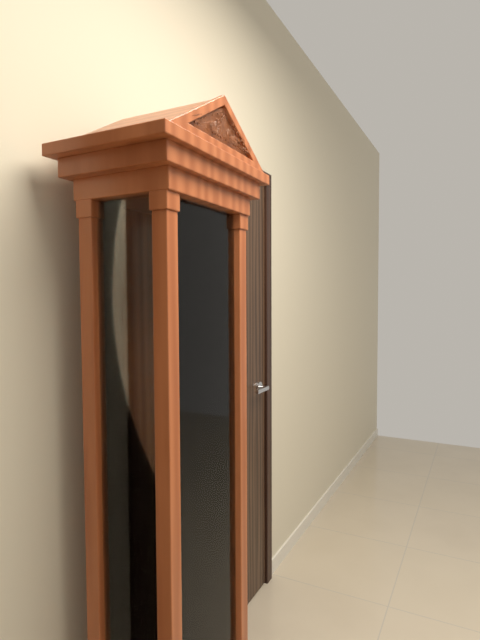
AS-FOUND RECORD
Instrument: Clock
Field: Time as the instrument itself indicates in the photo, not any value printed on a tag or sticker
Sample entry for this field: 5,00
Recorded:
2,25
